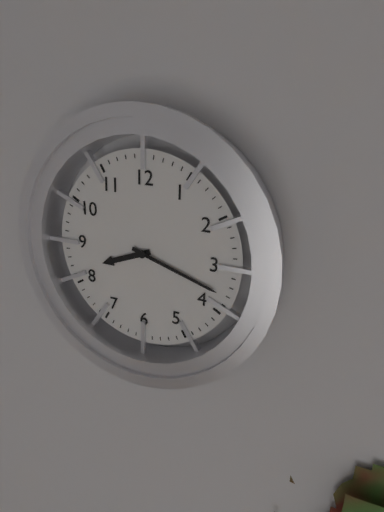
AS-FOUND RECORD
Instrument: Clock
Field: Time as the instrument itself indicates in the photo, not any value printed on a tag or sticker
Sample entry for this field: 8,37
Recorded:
8,18
